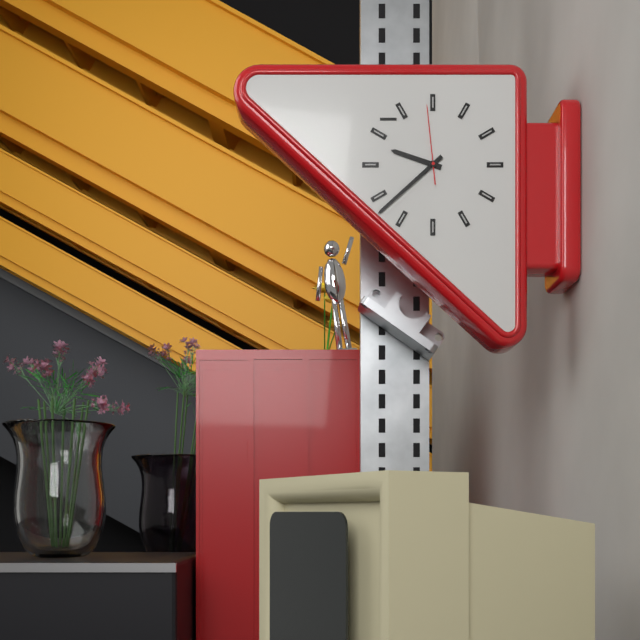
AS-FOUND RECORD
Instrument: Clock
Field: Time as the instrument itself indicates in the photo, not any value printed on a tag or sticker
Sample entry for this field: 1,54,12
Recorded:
9,38,59
